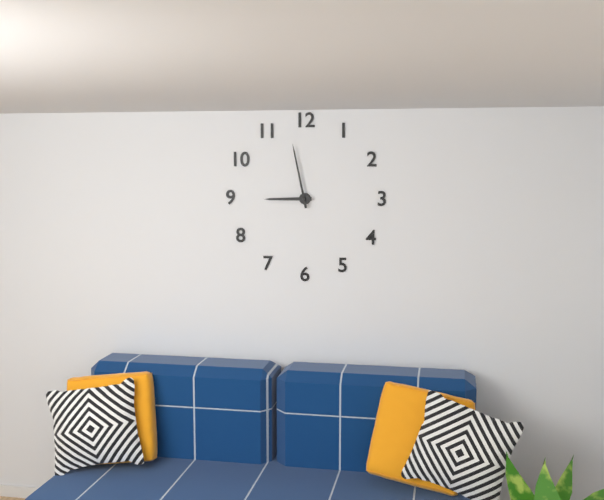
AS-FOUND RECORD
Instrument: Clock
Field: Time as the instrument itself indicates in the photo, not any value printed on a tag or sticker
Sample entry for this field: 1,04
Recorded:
8,58
